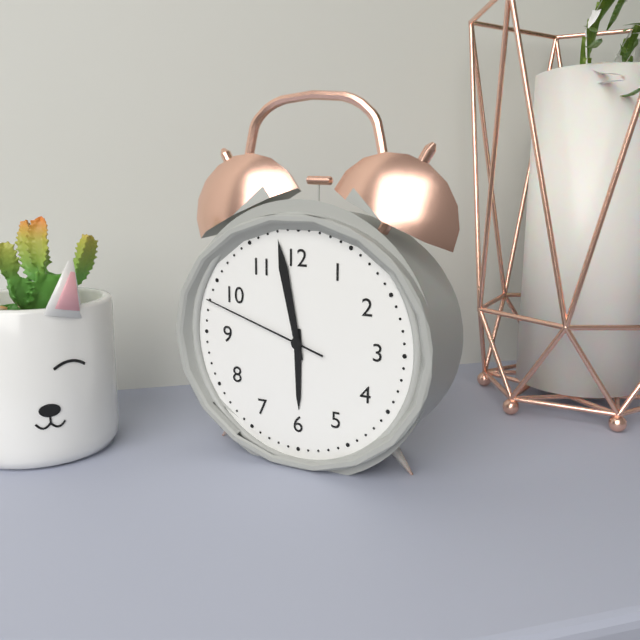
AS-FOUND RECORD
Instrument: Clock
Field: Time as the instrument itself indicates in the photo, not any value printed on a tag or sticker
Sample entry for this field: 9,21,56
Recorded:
5,58,48
